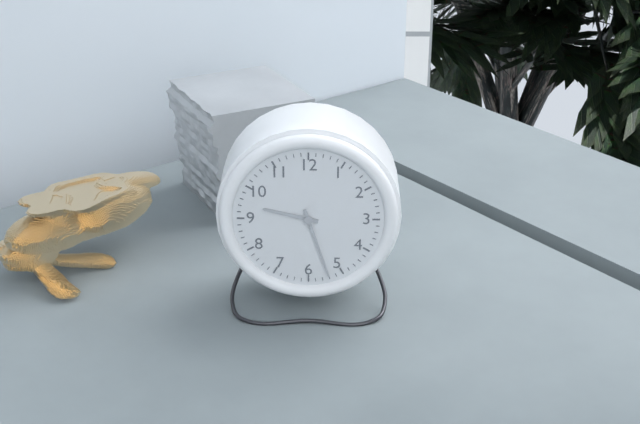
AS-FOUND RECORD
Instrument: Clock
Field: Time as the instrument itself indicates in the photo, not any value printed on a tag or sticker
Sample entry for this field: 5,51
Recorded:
9,27
